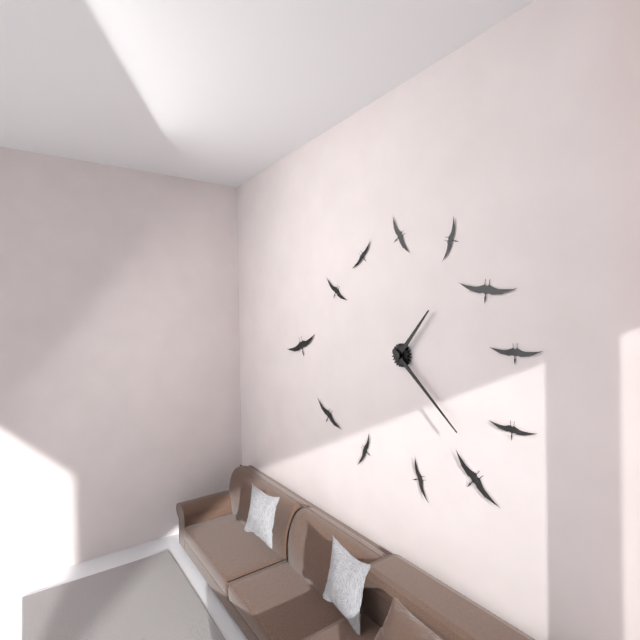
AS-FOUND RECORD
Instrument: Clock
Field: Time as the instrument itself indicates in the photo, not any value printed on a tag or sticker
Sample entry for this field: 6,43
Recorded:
1,22
